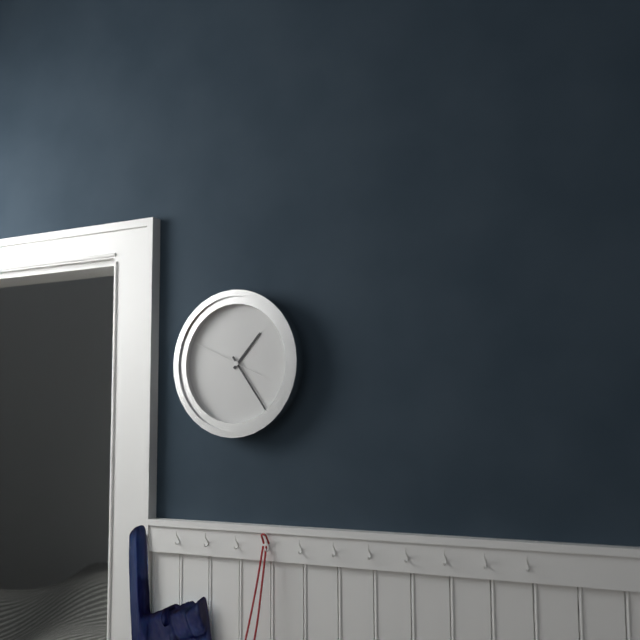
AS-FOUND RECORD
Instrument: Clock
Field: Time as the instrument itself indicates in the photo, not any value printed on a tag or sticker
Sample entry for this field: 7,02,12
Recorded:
1,24,49
